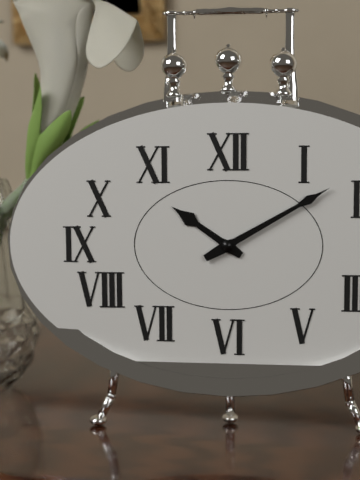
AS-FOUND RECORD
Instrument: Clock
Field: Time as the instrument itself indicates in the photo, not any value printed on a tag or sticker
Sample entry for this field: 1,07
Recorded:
10,10
